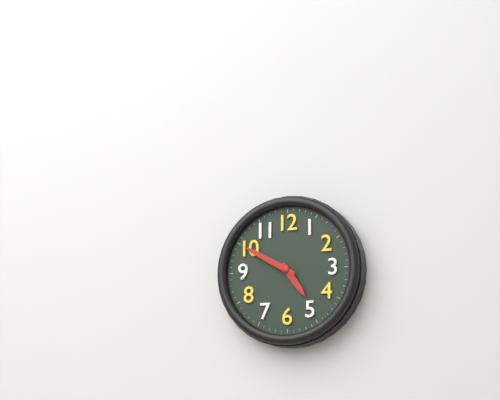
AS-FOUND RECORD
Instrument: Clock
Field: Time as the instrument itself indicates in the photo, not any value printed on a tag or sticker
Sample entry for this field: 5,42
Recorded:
4,50
